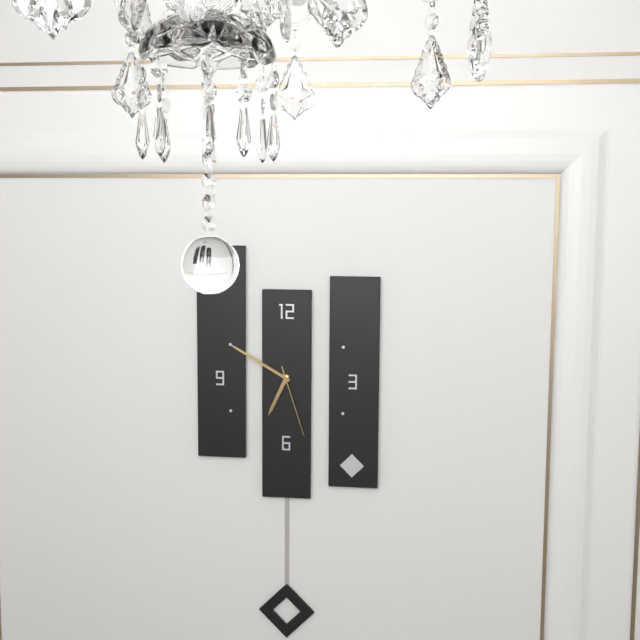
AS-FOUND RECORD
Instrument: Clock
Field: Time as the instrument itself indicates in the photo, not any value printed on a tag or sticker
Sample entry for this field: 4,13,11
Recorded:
6,50,27
